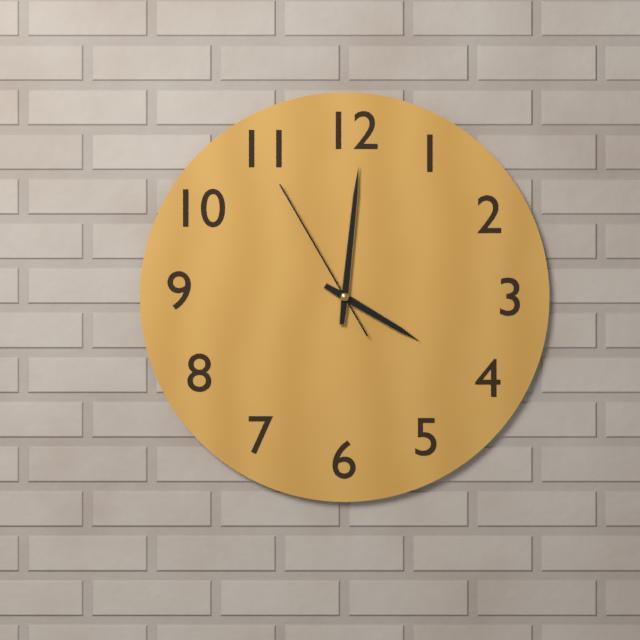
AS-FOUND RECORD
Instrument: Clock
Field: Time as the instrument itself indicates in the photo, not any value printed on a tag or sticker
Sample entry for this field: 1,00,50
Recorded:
4,01,55
